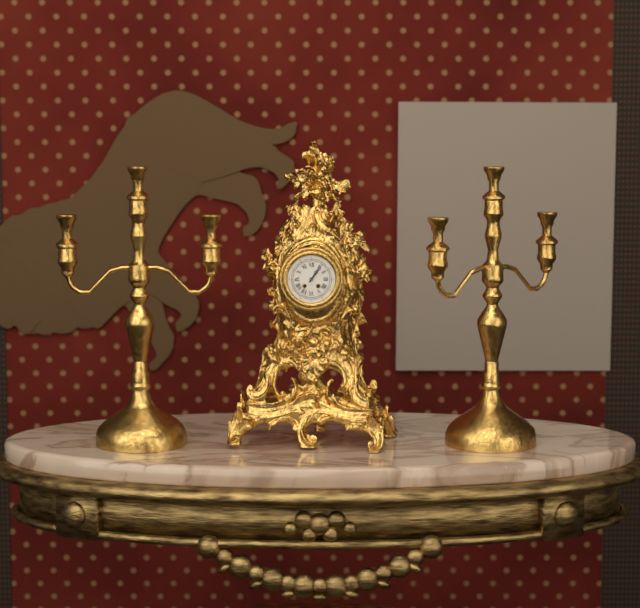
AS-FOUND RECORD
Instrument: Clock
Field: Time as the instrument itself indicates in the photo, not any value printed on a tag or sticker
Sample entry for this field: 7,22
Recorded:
1,06
